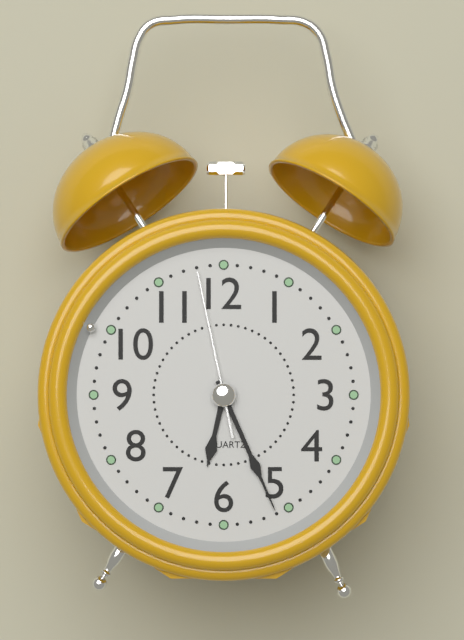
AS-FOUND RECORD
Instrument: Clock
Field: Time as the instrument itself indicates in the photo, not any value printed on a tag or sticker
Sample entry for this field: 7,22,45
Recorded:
6,26,58
